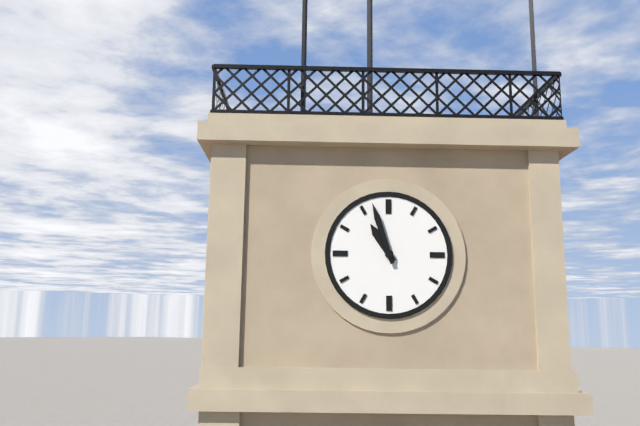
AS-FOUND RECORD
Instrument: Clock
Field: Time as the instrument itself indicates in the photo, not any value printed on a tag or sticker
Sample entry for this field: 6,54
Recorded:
10,57
